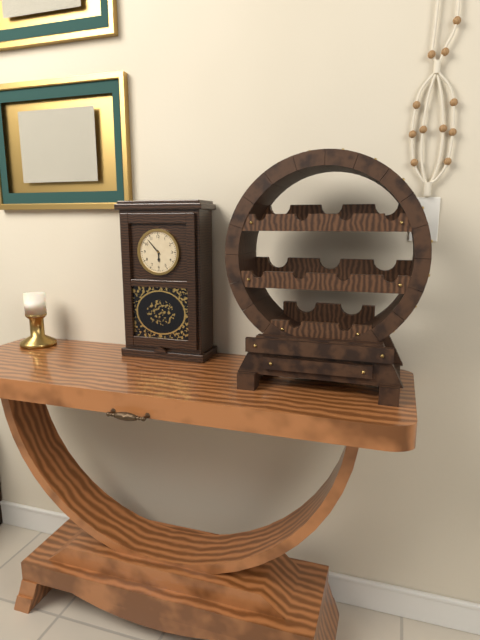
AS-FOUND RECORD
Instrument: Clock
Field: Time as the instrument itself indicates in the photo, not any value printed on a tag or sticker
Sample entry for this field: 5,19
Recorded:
5,53
